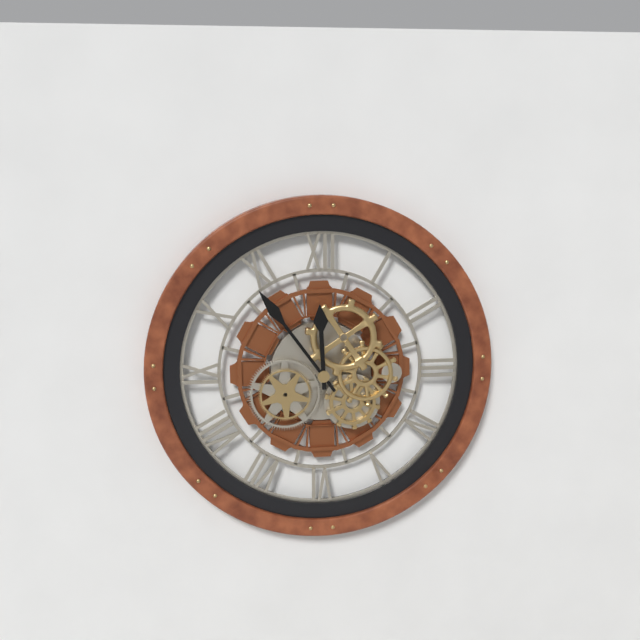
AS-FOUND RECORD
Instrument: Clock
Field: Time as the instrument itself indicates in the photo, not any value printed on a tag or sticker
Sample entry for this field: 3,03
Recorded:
11,54
